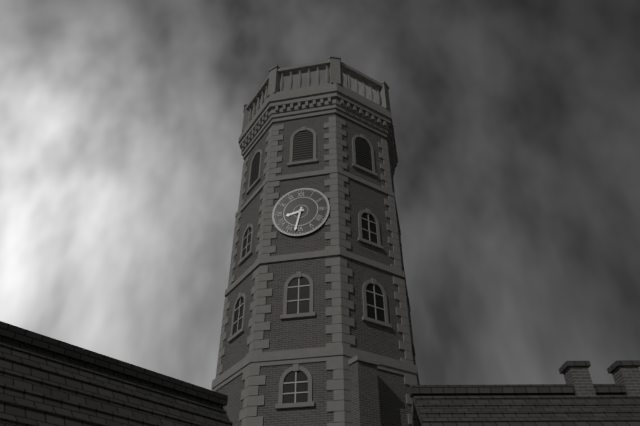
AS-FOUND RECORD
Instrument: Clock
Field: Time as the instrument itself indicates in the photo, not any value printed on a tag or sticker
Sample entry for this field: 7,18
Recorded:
8,32
